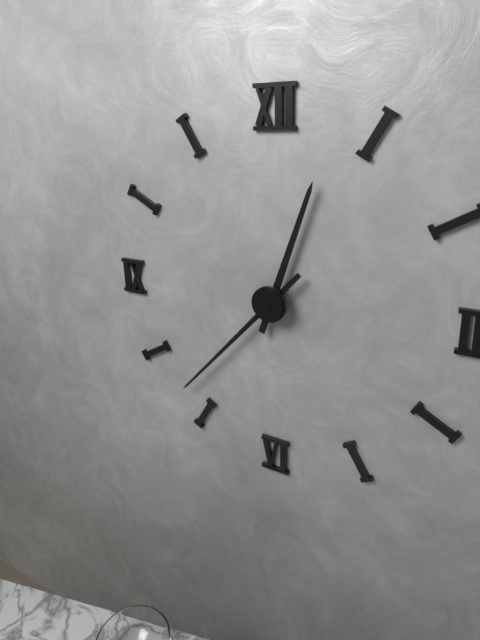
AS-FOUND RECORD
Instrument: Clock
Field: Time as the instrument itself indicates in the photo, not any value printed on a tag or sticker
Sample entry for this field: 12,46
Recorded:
12,37
